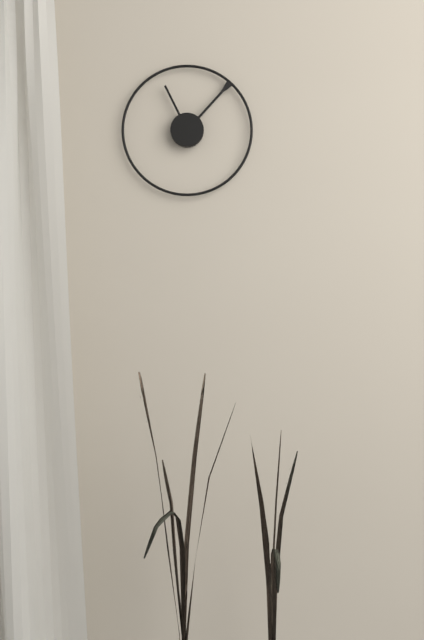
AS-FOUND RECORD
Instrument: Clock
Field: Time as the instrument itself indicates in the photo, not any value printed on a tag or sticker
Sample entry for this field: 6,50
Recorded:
11,07
